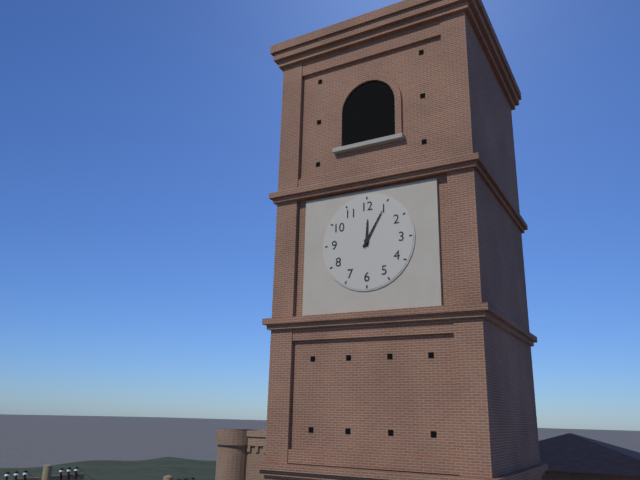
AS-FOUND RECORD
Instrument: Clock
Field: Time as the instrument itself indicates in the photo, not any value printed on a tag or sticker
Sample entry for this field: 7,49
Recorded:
12,05
